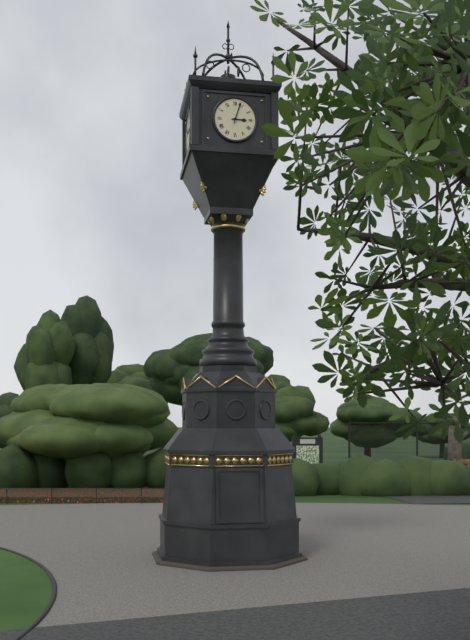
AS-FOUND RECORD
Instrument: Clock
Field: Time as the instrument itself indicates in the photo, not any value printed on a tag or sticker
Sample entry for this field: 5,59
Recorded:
3,03
